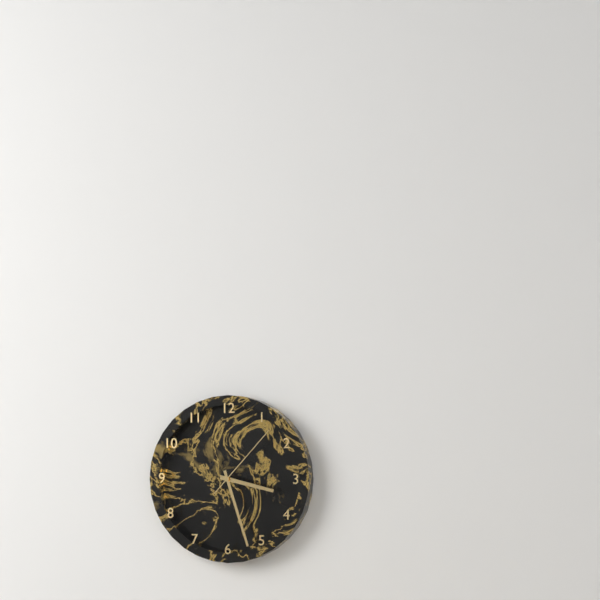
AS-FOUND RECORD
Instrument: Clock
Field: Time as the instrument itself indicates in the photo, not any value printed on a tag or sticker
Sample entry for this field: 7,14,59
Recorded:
3,27,07
